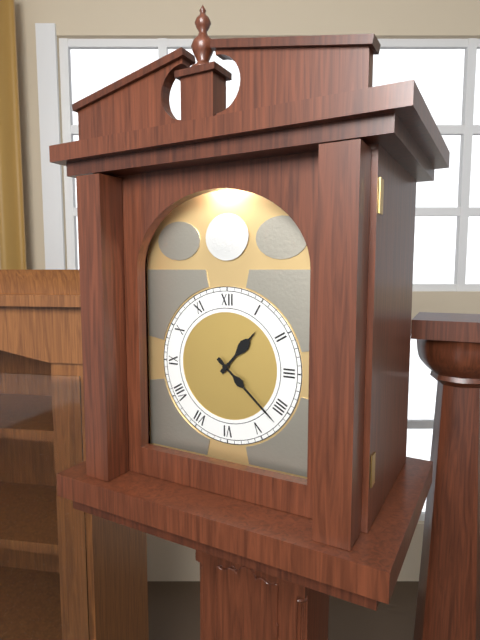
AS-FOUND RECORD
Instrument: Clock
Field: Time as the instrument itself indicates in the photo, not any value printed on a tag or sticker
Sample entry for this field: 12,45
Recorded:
1,22
